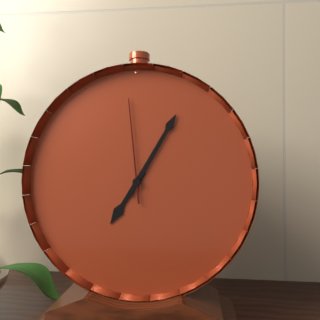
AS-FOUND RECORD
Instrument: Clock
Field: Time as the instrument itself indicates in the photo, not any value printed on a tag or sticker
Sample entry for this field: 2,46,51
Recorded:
7,05,59
